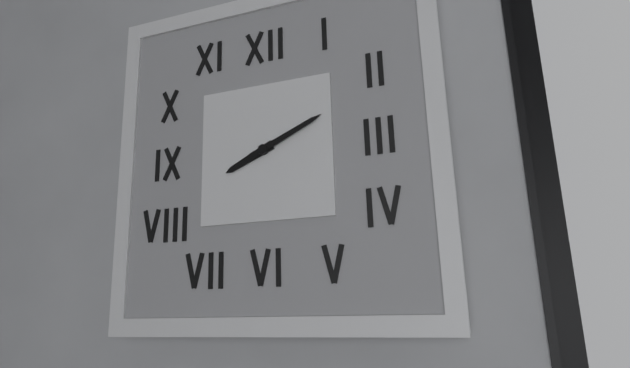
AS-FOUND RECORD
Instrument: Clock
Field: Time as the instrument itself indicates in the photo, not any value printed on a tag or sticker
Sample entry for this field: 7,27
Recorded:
8,11
